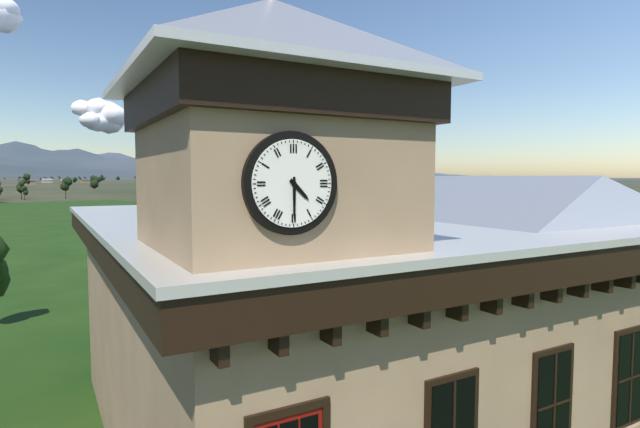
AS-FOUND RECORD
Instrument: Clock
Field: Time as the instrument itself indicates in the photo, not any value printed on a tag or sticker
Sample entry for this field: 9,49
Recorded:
4,30
